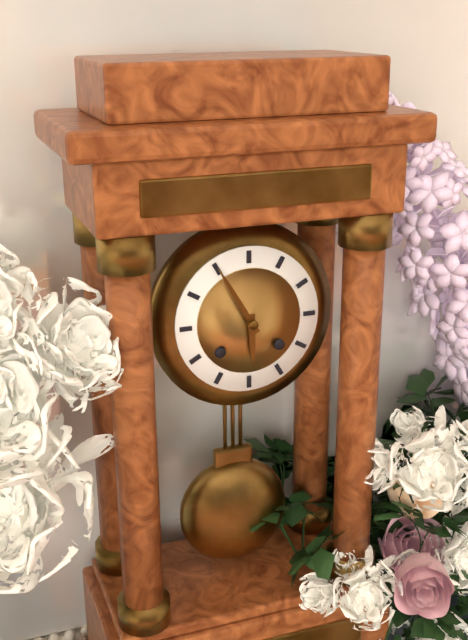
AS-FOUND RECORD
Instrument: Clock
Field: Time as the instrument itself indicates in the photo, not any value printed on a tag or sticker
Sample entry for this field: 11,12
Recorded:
5,55
